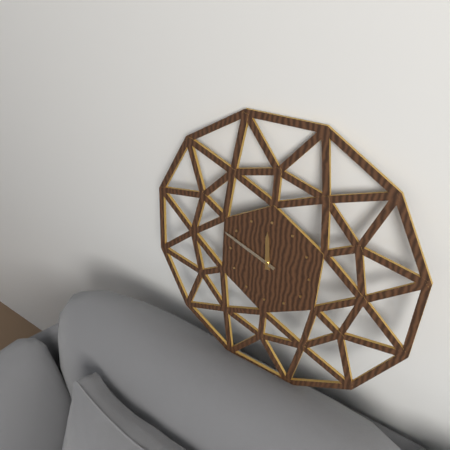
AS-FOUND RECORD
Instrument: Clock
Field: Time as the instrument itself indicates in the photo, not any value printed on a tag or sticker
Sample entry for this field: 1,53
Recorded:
11,48
